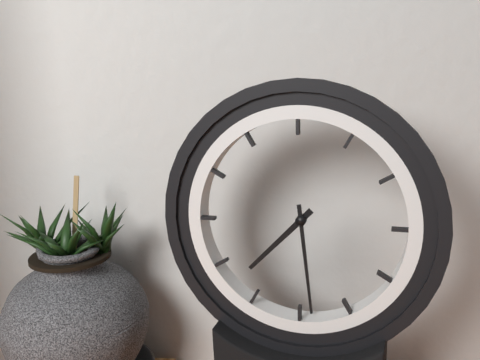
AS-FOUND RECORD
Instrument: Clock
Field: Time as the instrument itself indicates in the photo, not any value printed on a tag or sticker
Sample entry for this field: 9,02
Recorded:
7,29
